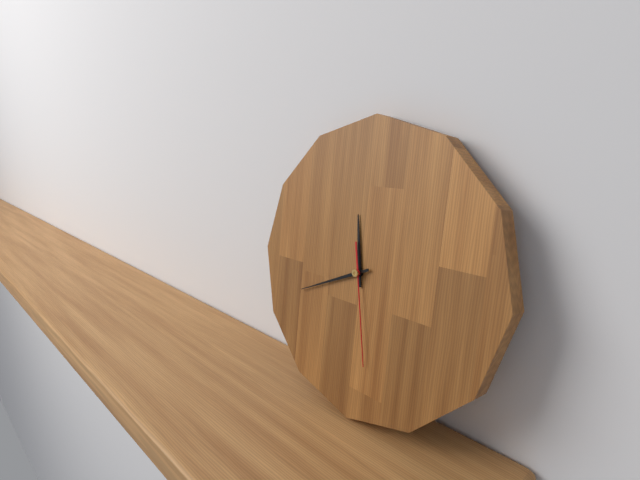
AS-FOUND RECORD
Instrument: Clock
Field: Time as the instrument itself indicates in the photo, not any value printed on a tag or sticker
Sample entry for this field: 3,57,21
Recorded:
11,41,28
